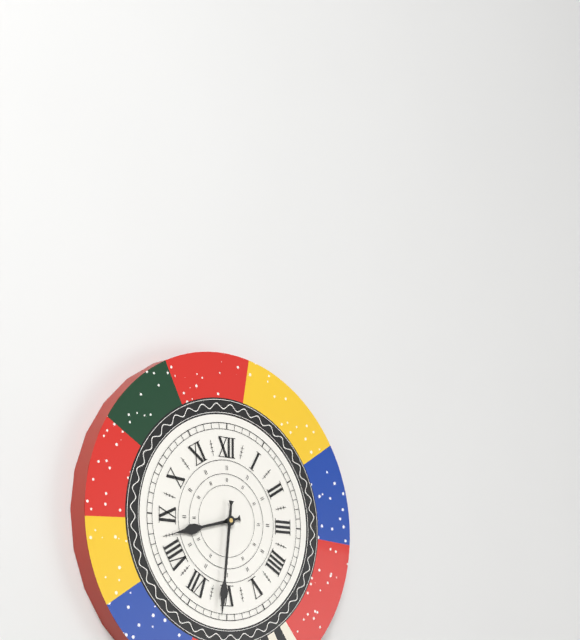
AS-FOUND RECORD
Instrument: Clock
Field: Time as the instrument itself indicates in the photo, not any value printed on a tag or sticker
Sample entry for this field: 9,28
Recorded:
8,31
